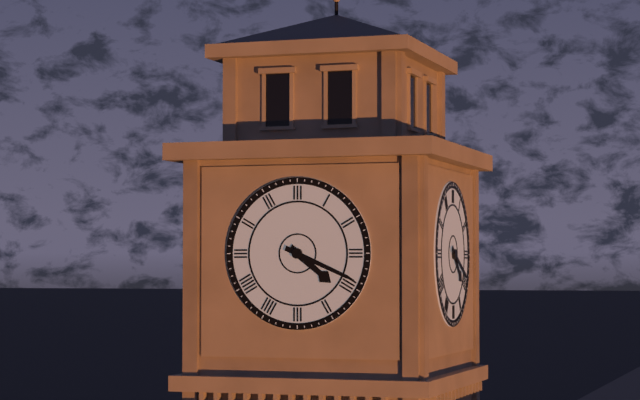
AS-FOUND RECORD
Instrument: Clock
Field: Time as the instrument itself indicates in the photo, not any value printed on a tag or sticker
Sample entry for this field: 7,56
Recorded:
4,19
